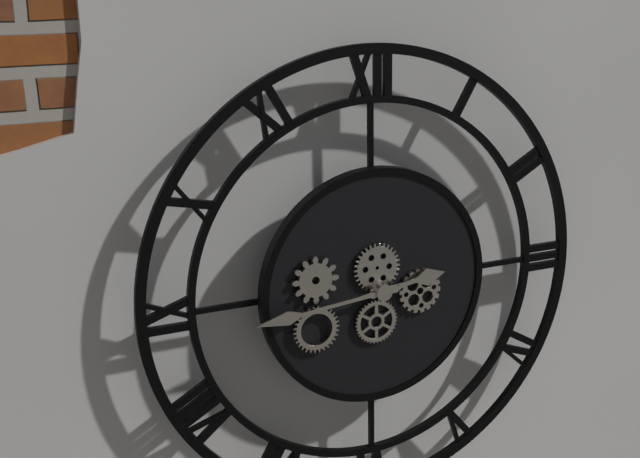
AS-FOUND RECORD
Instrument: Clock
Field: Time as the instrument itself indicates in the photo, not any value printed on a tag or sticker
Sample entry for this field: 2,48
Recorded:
2,44
